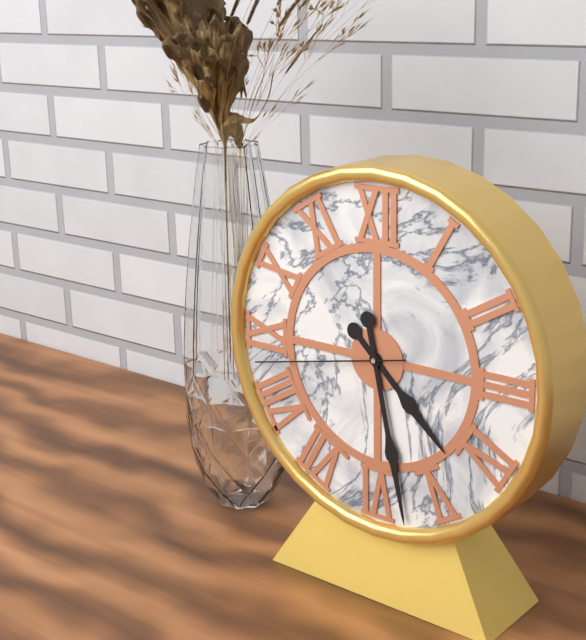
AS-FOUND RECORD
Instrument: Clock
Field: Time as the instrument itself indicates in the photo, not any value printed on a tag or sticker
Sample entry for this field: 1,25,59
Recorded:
4,28,43
